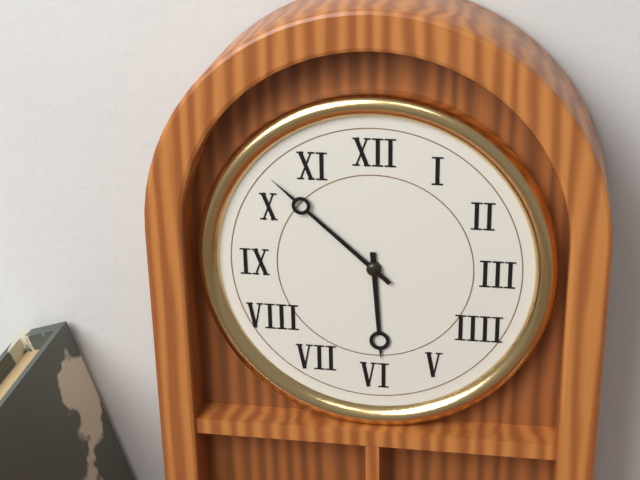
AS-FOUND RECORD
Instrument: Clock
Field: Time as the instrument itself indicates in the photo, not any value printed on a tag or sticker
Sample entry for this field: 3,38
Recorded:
5,52
